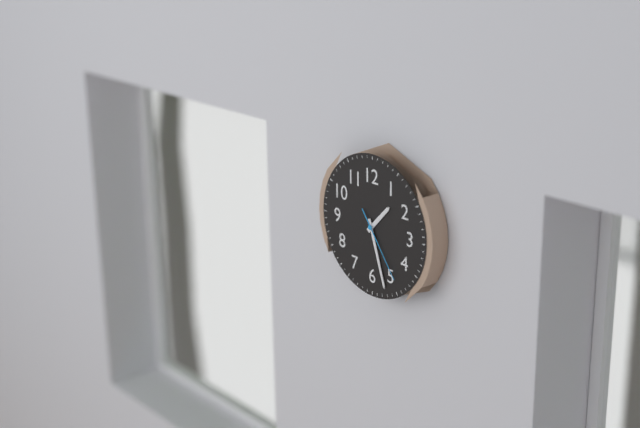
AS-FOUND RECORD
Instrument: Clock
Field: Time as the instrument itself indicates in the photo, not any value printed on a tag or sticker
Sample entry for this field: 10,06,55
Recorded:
1,27,24
